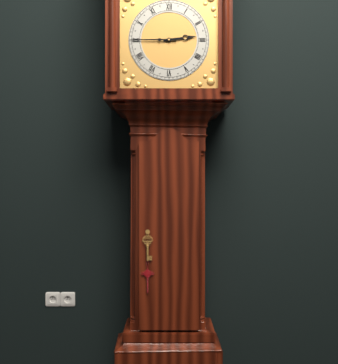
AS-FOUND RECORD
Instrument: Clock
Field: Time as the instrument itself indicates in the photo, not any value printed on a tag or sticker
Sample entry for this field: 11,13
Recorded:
2,45
